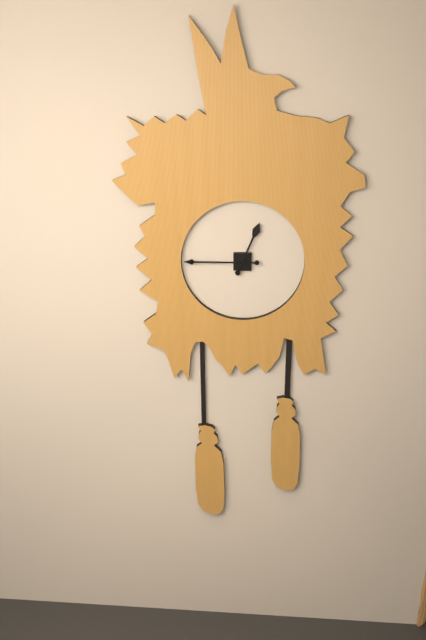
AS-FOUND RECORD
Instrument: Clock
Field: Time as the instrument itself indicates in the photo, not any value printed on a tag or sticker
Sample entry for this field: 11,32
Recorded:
12,45
